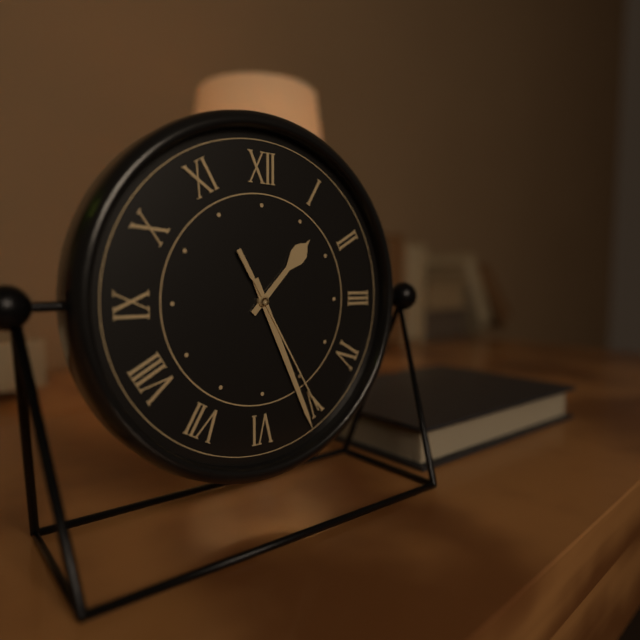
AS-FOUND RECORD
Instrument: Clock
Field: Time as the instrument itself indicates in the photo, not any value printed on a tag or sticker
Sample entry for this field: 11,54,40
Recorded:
1,26,25
